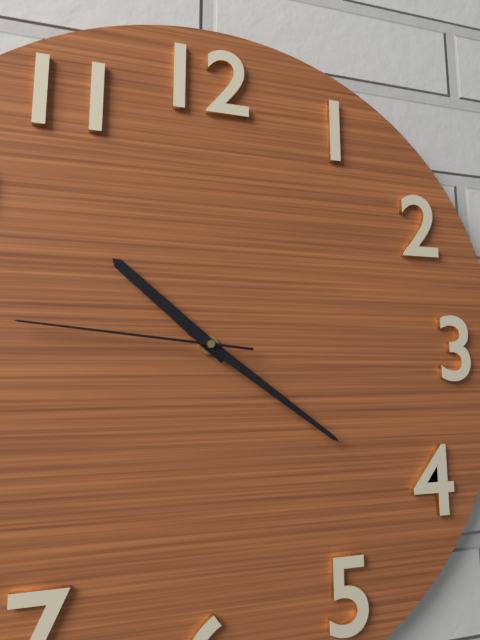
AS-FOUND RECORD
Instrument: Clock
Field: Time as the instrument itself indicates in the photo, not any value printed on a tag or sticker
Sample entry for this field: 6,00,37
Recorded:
10,21,46
